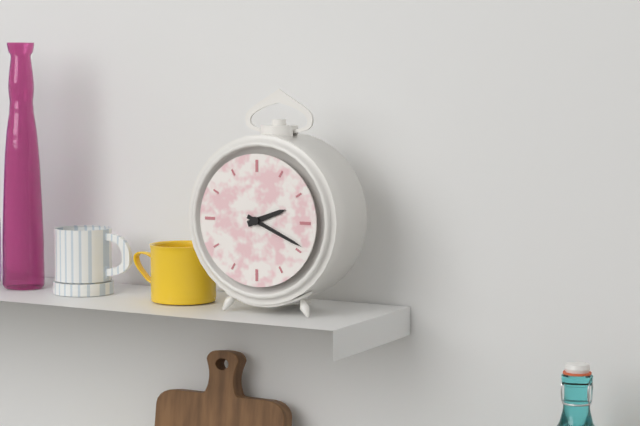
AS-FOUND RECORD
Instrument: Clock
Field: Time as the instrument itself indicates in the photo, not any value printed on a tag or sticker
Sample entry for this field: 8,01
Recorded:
2,19
